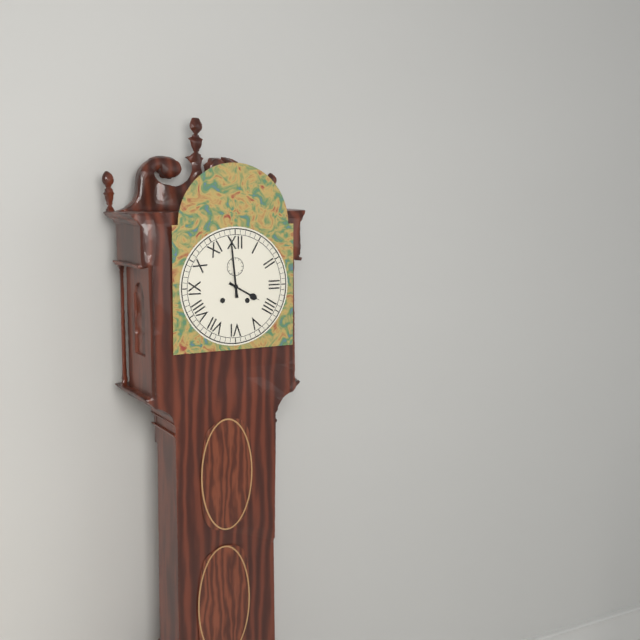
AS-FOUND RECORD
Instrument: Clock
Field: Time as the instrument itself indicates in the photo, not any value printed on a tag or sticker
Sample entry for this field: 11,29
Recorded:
3,59
